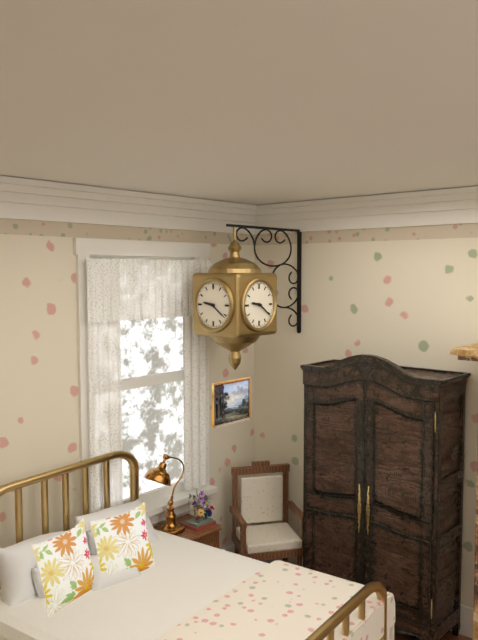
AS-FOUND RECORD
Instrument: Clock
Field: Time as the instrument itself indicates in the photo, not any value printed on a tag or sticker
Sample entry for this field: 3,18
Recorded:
9,21
